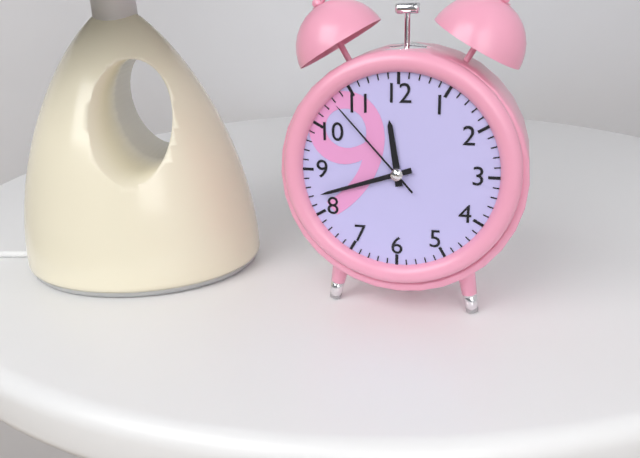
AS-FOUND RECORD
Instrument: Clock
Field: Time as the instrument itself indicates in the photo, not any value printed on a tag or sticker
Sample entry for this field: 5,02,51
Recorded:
11,42,53
